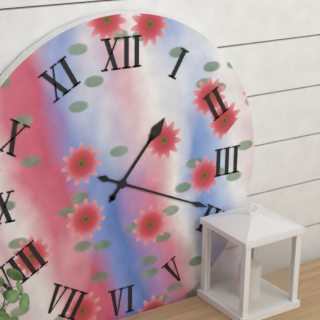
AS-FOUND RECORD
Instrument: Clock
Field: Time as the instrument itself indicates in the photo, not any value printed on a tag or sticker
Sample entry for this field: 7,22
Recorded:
1,19
